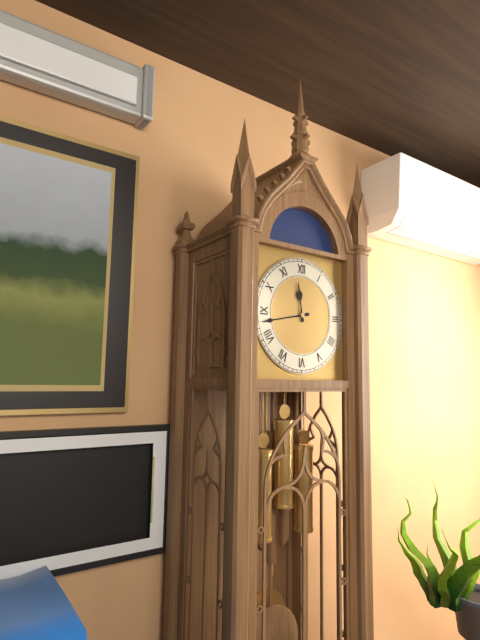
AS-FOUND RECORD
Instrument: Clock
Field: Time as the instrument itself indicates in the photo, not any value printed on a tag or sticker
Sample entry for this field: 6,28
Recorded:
11,43
